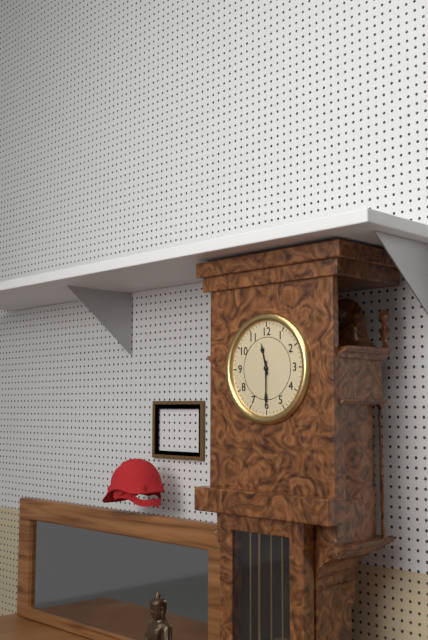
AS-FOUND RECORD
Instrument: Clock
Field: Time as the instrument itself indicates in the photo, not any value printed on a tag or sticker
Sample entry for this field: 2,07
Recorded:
11,30
